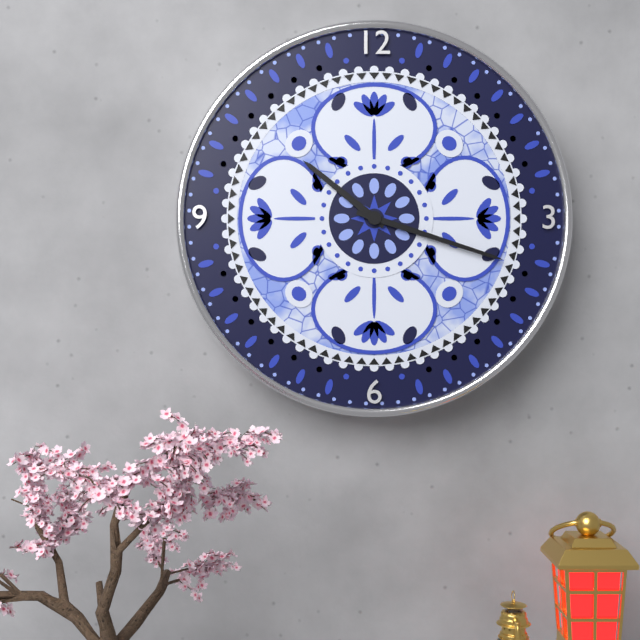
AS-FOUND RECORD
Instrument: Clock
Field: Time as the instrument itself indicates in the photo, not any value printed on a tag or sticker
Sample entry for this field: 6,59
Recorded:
10,18
